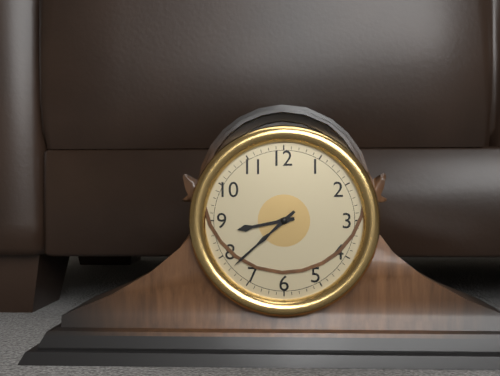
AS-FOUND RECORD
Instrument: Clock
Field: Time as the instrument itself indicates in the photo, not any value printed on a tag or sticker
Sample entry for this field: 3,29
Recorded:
8,38
